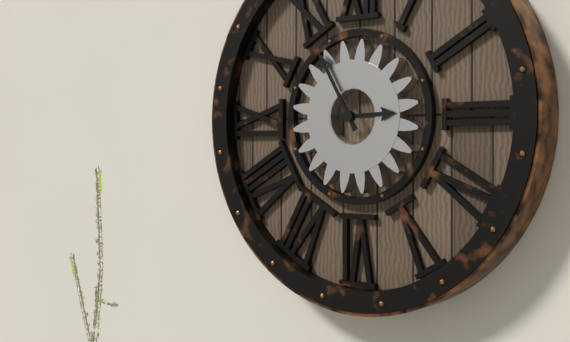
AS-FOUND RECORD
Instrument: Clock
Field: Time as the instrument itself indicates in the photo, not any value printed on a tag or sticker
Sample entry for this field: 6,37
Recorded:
2,55
